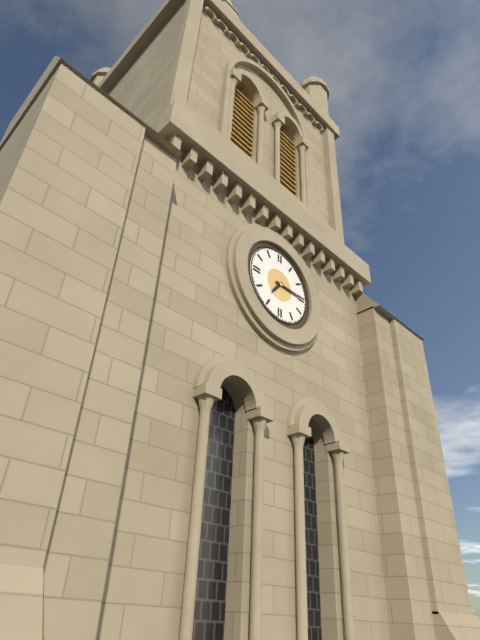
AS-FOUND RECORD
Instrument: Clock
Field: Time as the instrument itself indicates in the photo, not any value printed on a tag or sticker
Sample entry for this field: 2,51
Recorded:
7,15
